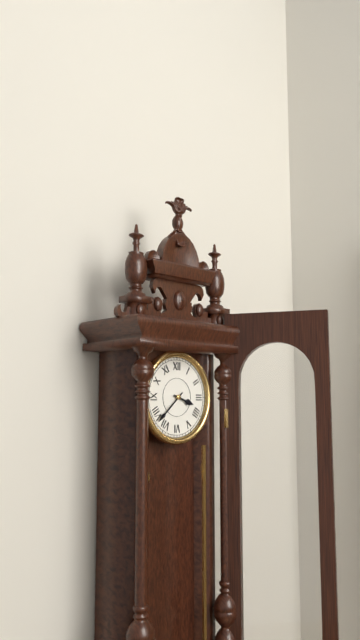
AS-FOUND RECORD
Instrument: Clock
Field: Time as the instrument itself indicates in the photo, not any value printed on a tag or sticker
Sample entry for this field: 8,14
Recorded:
3,38
